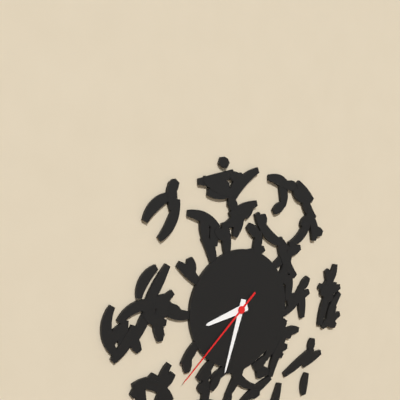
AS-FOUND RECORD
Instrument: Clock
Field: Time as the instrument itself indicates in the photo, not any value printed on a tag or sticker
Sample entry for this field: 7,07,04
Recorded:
8,33,38
